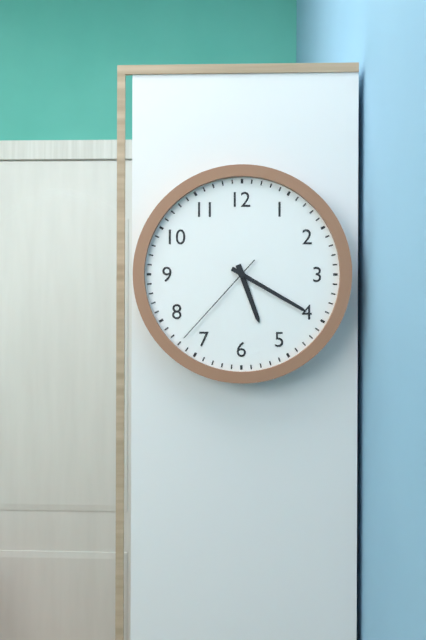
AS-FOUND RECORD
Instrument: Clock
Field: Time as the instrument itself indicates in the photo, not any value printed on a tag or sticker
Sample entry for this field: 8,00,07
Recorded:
5,20,37
